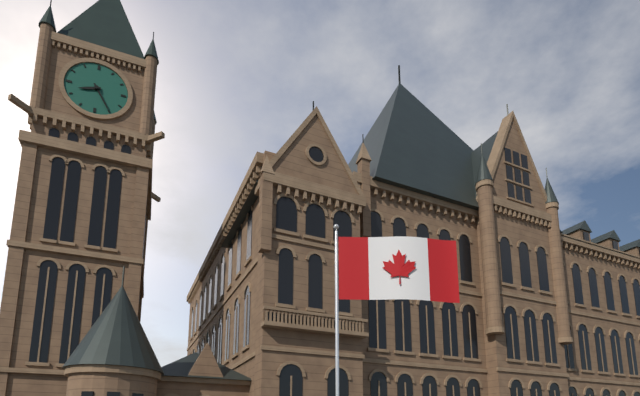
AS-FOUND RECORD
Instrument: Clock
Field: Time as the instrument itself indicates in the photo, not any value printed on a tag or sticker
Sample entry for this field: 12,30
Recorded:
8,25
